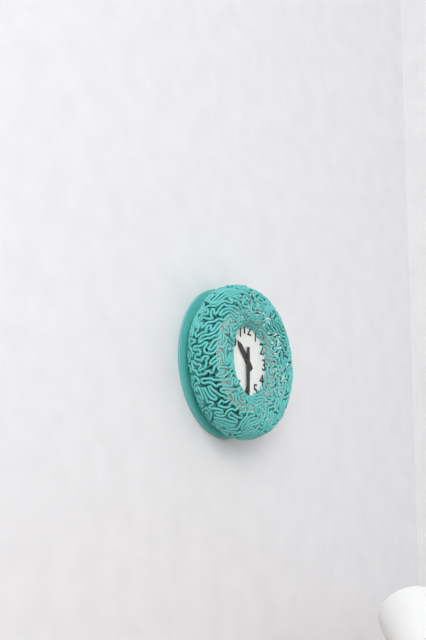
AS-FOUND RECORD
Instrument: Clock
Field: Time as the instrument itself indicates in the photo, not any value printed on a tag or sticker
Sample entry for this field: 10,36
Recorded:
10,30
